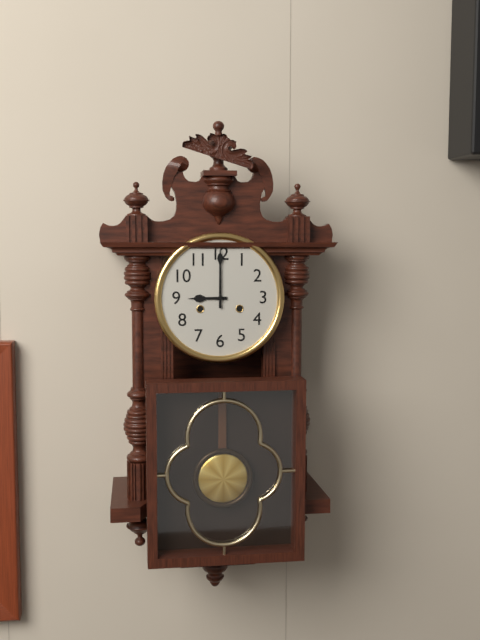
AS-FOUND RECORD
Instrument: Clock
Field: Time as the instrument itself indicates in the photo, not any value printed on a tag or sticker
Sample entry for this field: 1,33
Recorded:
9,00
